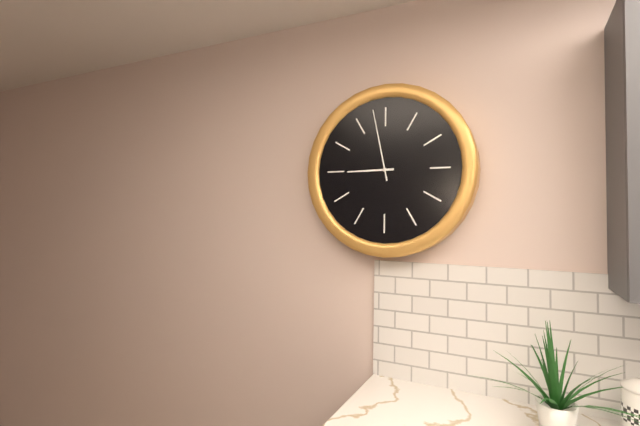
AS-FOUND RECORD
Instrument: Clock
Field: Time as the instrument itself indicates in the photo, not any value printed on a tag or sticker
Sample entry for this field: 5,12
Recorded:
8,58
